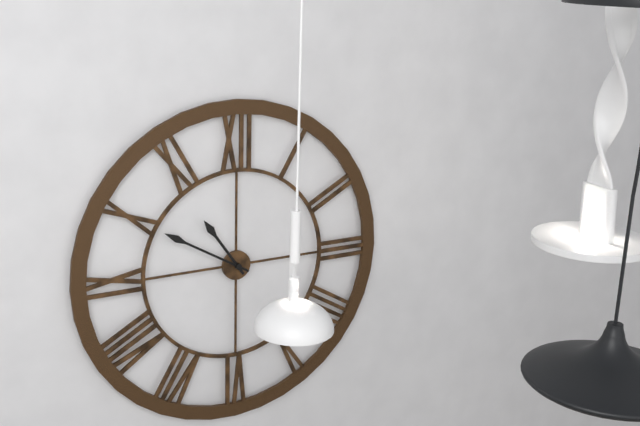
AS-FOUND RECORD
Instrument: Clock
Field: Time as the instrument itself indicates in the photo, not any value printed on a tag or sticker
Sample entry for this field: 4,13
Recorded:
10,50
